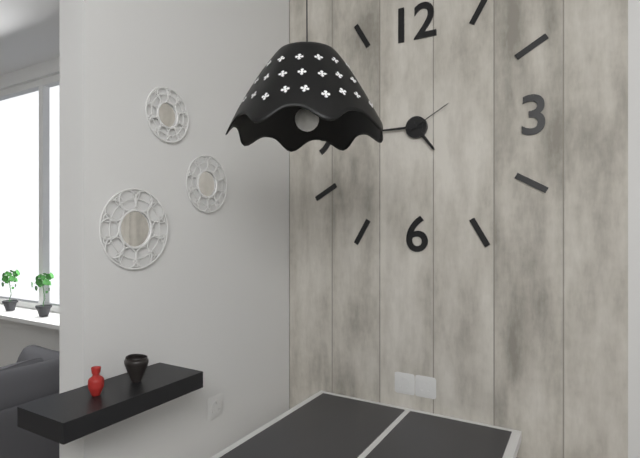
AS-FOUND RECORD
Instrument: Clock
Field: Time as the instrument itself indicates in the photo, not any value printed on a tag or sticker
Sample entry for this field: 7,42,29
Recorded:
4,45,10
